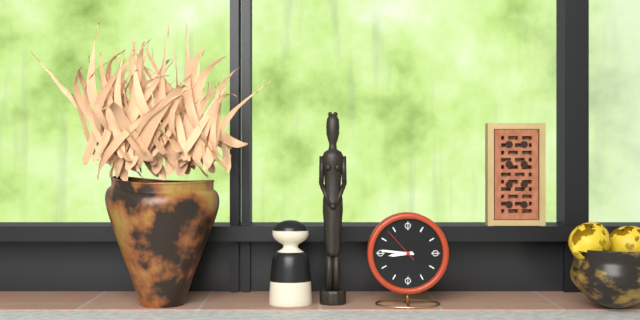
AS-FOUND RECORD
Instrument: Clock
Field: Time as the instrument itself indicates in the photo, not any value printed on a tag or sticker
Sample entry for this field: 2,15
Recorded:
8,46
